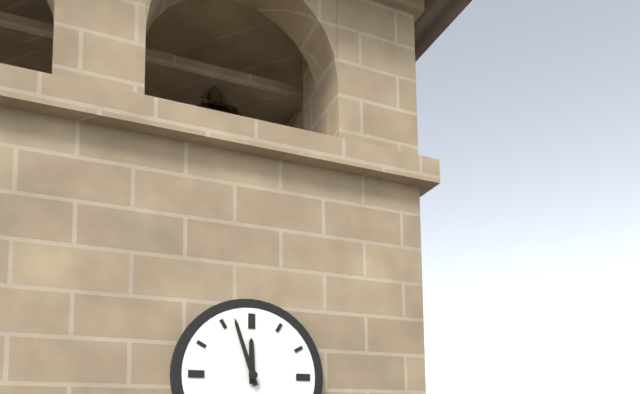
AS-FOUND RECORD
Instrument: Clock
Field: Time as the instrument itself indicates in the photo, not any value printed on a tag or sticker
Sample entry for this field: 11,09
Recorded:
11,57
